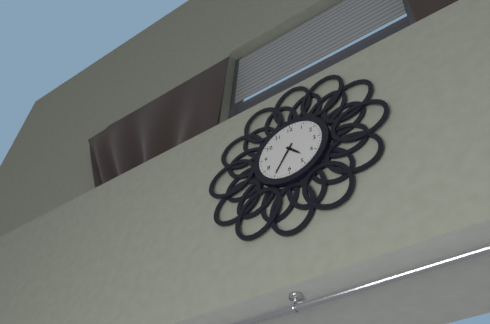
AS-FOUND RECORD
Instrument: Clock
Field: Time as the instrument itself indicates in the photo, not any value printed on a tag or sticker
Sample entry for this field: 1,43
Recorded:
4,35
